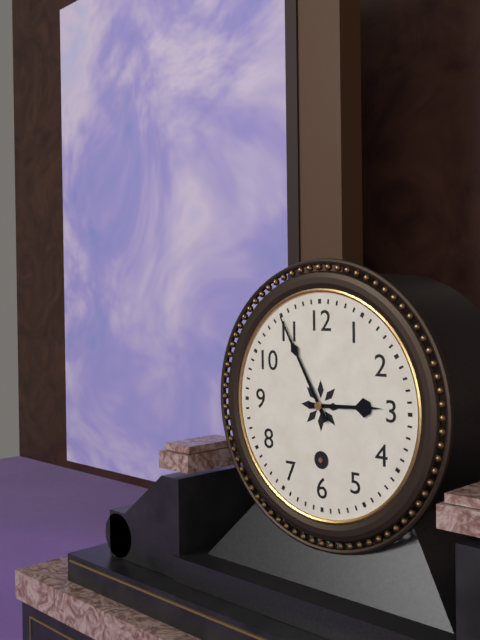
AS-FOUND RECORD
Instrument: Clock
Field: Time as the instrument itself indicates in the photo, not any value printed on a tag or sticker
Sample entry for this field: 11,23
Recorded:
2,55
